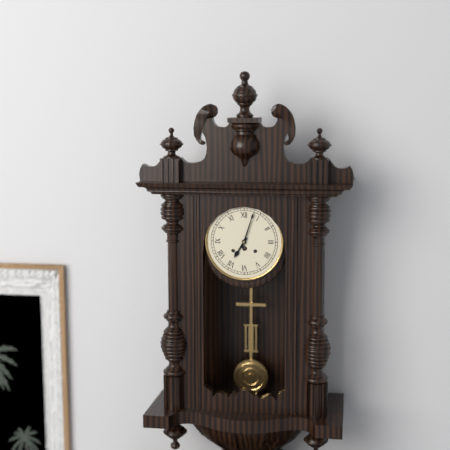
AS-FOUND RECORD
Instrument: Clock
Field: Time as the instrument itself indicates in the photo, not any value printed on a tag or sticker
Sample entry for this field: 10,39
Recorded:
7,03
